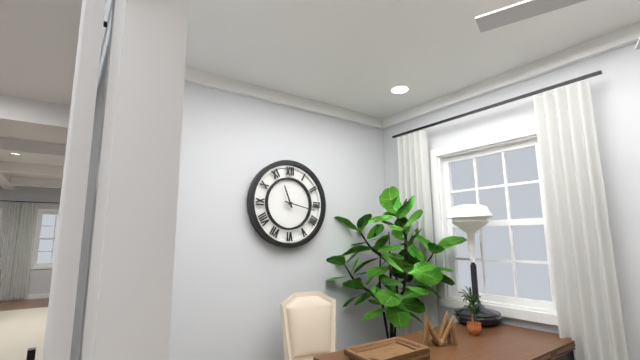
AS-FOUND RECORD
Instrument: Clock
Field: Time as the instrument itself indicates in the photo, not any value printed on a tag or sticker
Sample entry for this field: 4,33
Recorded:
11,17
